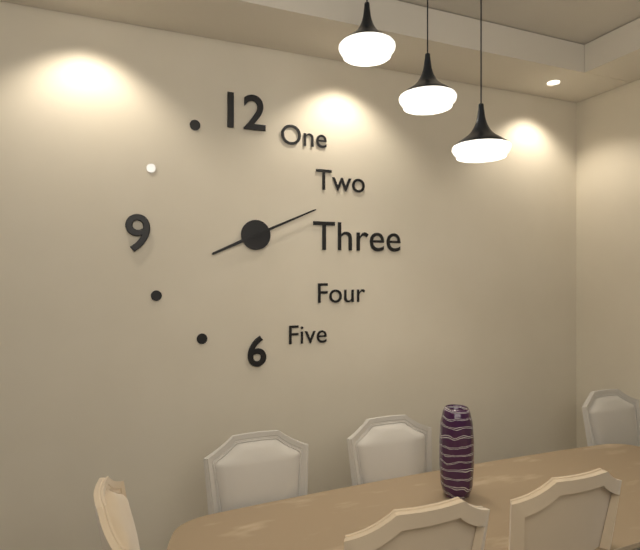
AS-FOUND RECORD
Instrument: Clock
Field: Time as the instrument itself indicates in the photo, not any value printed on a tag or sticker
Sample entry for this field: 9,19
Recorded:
8,11
